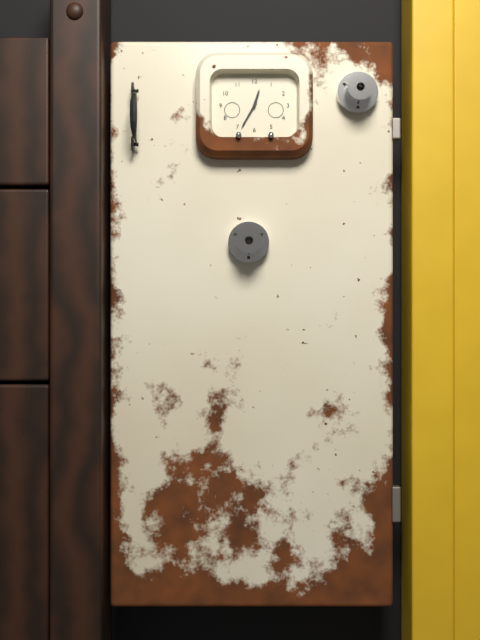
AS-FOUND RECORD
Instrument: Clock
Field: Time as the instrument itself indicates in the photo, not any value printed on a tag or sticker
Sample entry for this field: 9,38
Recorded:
12,35
